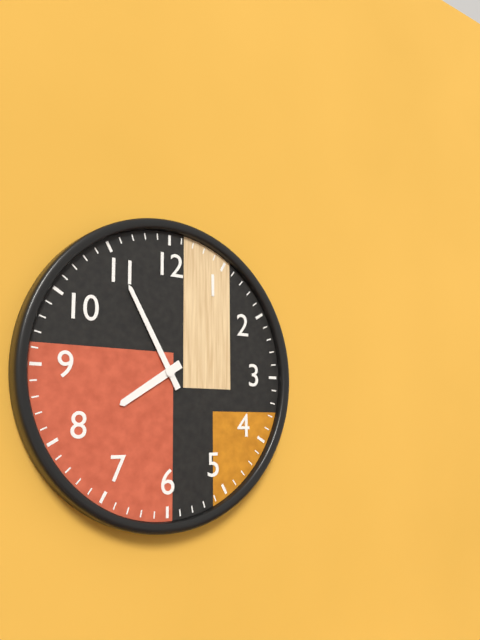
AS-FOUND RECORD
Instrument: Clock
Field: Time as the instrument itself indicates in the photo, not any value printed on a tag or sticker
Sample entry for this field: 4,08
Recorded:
7,55
